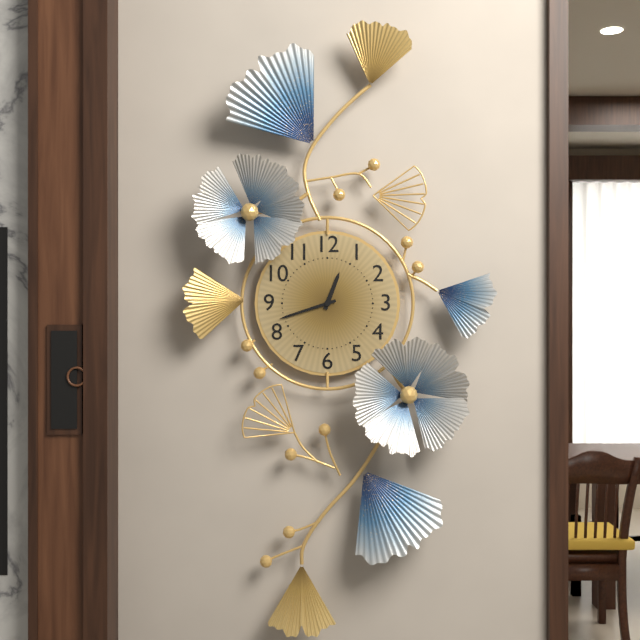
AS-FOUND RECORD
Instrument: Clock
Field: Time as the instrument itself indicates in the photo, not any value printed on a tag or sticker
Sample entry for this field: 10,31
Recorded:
12,42
